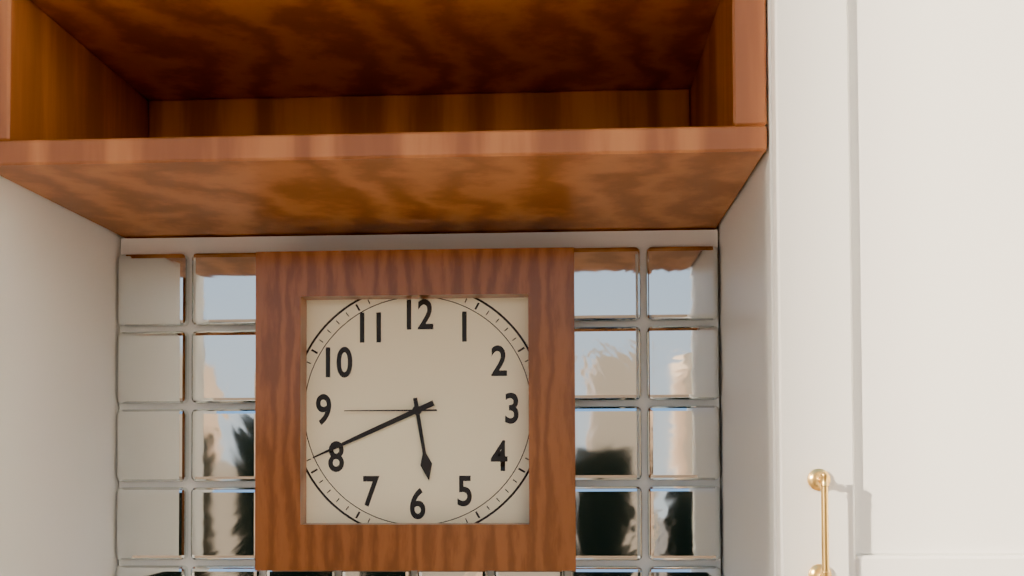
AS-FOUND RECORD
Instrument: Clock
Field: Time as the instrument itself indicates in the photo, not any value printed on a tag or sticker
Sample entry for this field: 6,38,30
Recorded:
5,41,45
